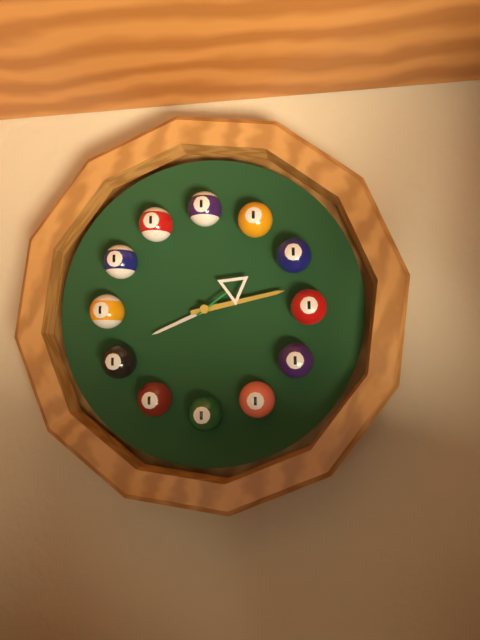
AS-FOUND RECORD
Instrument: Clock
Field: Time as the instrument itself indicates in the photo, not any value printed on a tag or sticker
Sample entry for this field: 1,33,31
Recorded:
8,13,09
